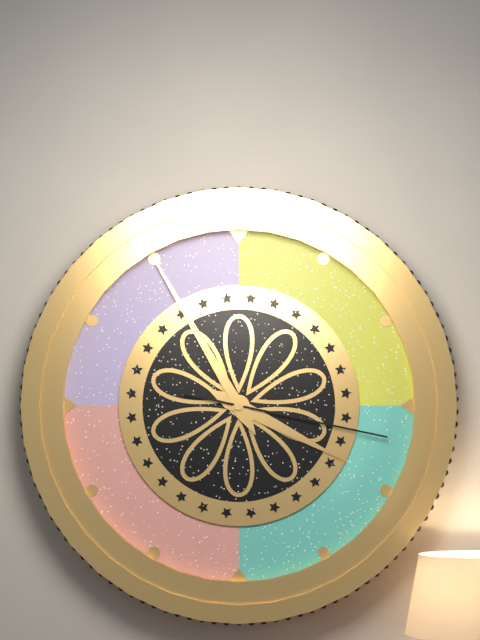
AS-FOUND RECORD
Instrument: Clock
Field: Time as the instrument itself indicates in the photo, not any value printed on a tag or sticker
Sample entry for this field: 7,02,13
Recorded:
3,55,17
